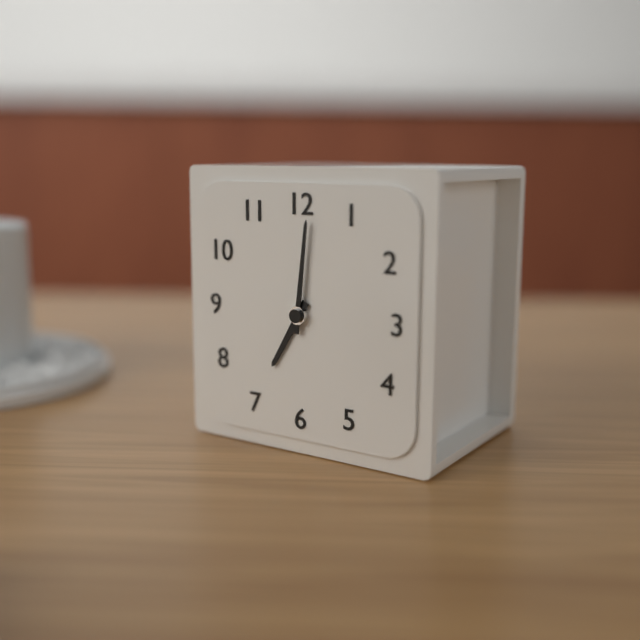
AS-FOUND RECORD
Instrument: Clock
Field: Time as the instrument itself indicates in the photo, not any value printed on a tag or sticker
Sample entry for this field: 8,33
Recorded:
7,01
